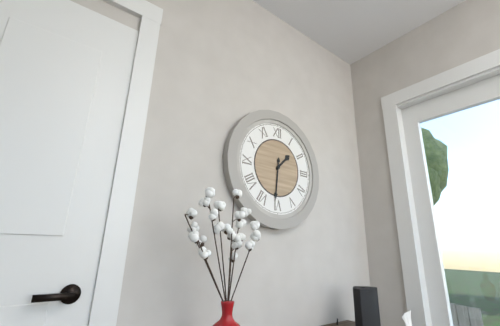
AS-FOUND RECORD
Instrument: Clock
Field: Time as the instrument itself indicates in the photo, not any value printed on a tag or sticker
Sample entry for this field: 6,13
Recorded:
1,31
